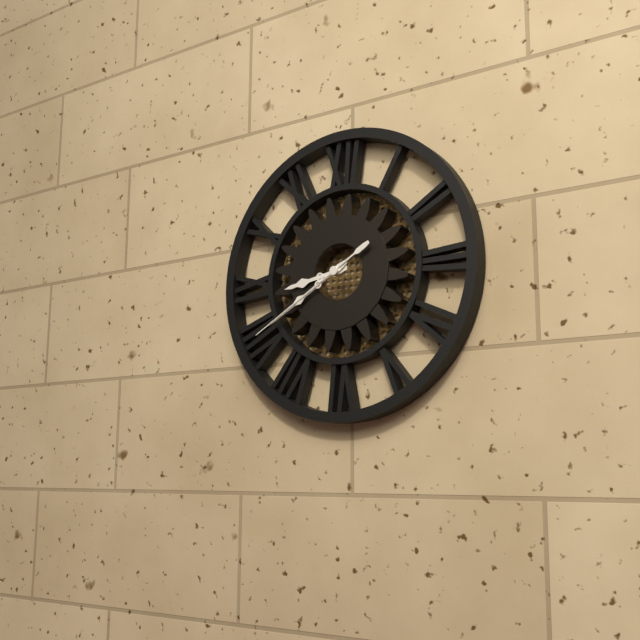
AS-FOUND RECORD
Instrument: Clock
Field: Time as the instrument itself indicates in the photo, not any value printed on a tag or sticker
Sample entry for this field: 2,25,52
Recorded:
8,40,40
